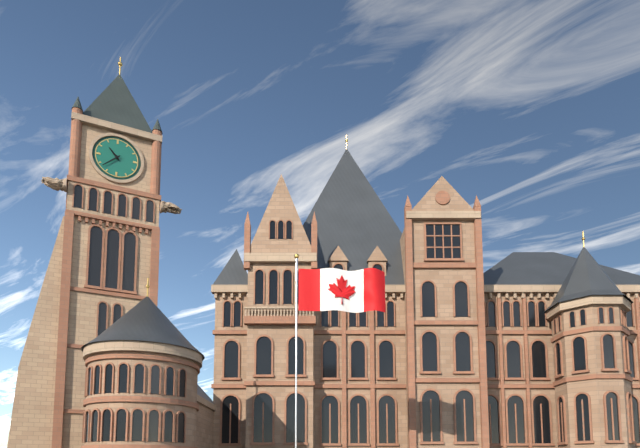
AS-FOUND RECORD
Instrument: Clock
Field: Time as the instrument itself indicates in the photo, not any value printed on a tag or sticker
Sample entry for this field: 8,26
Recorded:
10,38
